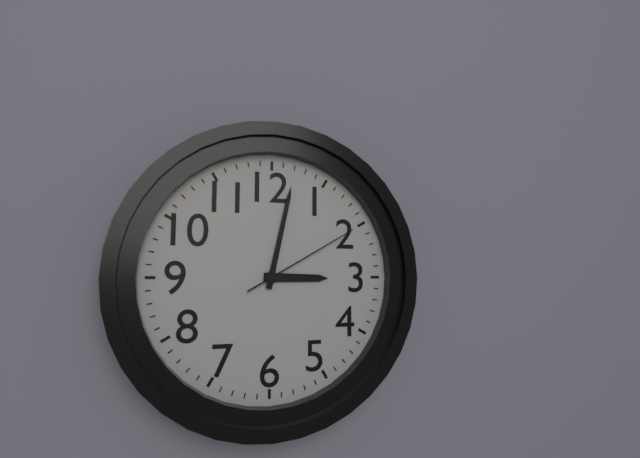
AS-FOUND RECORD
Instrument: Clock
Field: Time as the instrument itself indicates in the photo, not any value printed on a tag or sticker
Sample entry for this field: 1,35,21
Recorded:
3,02,10
